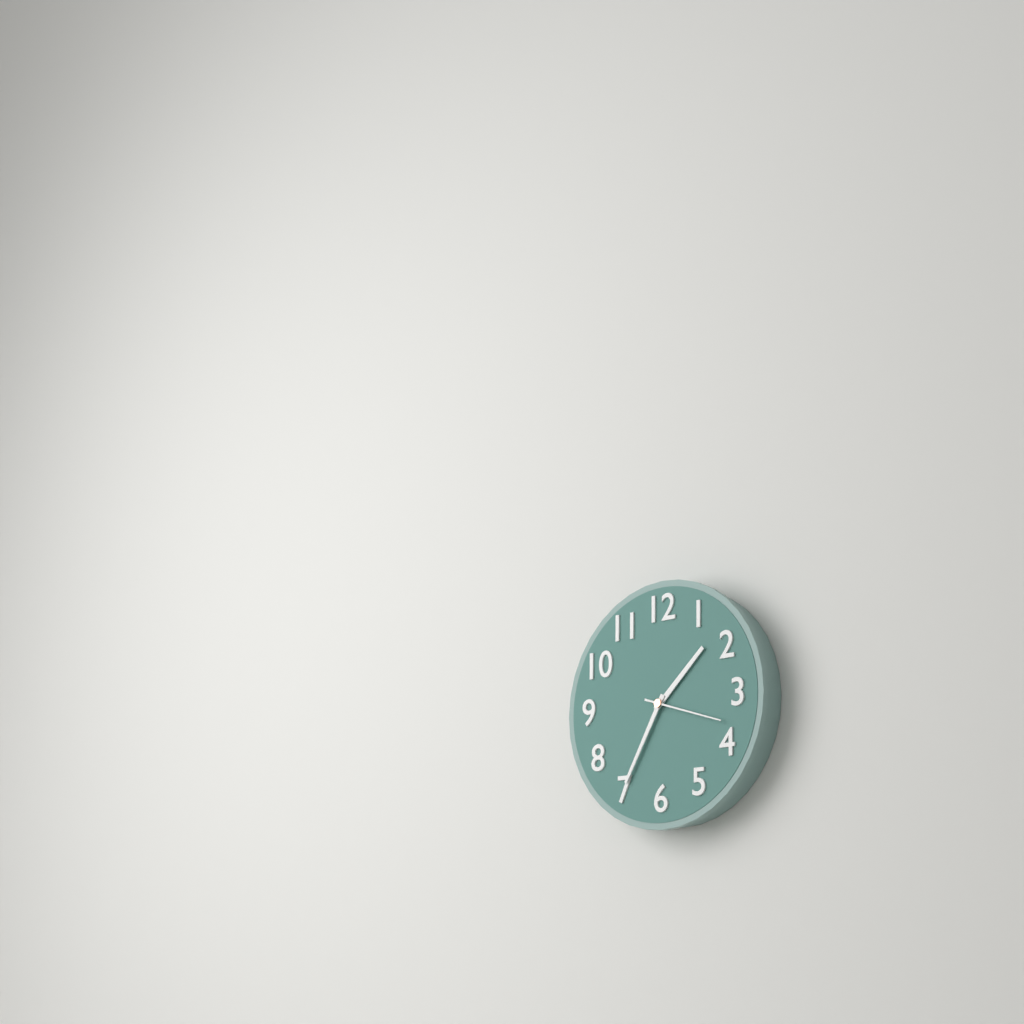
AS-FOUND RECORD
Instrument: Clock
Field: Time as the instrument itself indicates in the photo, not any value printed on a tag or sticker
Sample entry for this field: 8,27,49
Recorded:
1,35,18
